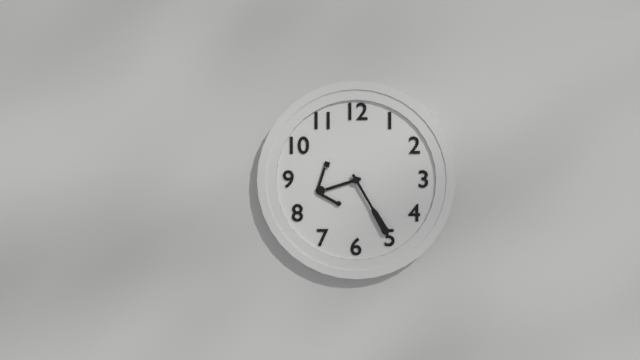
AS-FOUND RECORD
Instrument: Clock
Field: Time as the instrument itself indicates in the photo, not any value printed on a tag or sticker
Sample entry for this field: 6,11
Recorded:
8,25
